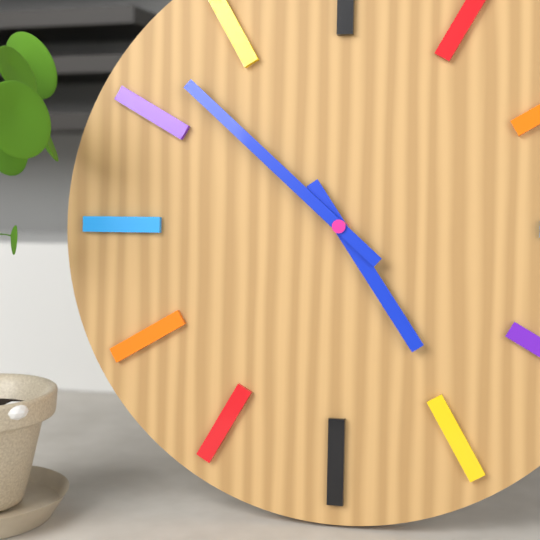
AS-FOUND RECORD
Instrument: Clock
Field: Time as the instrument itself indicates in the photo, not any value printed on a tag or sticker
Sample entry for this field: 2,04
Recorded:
4,52
